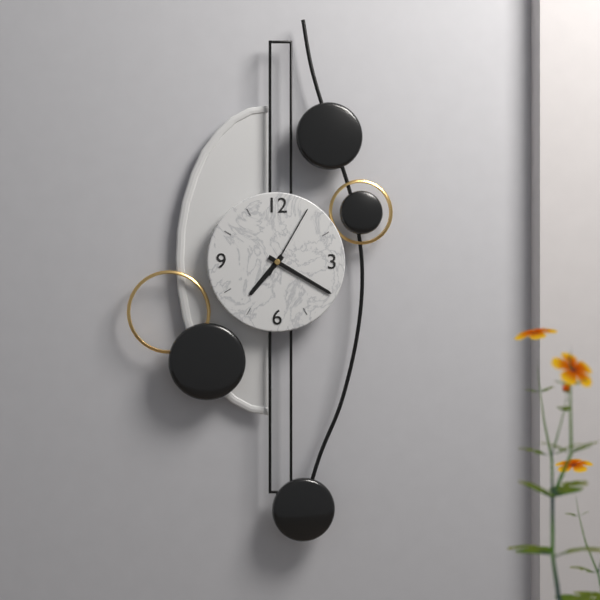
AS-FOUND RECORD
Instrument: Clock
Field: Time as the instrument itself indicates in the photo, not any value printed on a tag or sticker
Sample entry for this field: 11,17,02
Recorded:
7,20,05
